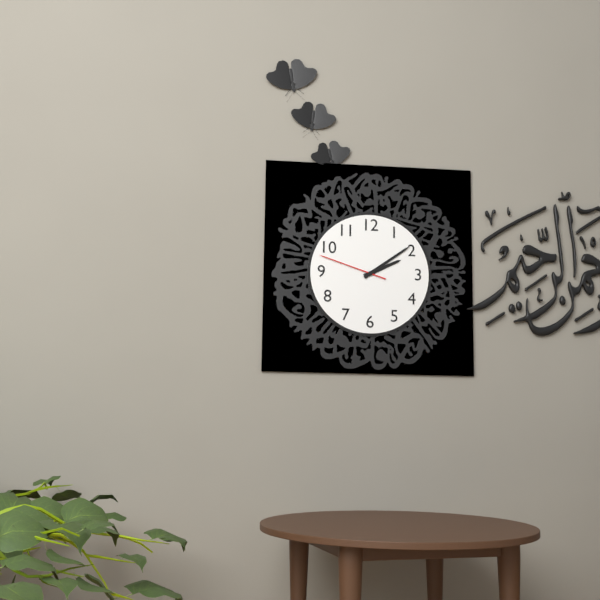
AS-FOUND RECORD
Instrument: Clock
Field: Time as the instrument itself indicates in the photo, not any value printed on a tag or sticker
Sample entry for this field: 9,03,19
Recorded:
2,09,48
